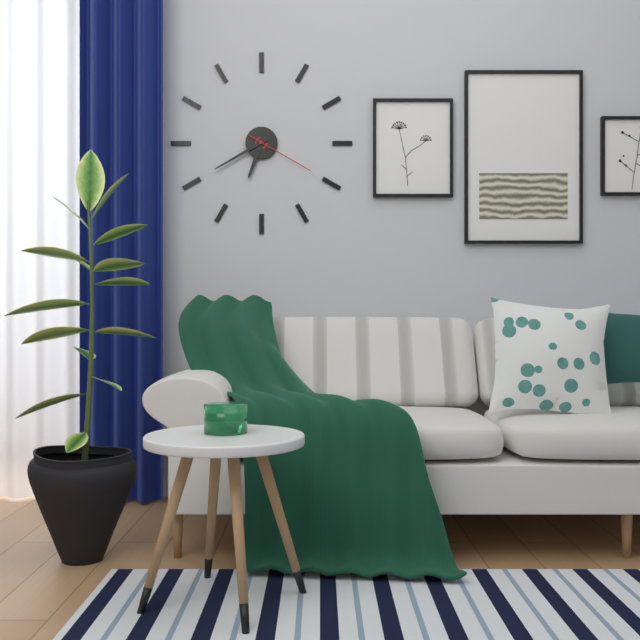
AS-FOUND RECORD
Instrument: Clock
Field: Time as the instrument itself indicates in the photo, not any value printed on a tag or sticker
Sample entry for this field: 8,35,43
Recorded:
6,40,20
